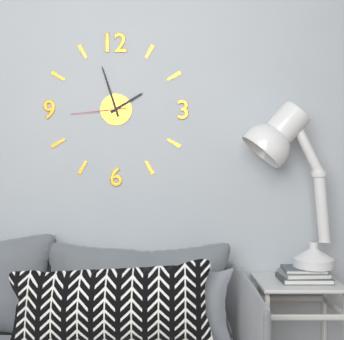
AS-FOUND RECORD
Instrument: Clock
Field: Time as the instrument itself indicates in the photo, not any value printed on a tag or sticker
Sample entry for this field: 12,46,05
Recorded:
1,57,44
